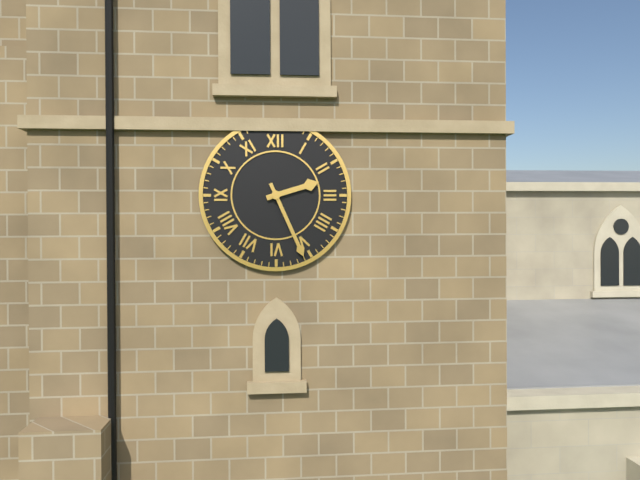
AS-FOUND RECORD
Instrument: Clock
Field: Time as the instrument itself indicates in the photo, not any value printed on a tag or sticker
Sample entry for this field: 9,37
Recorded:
2,26
